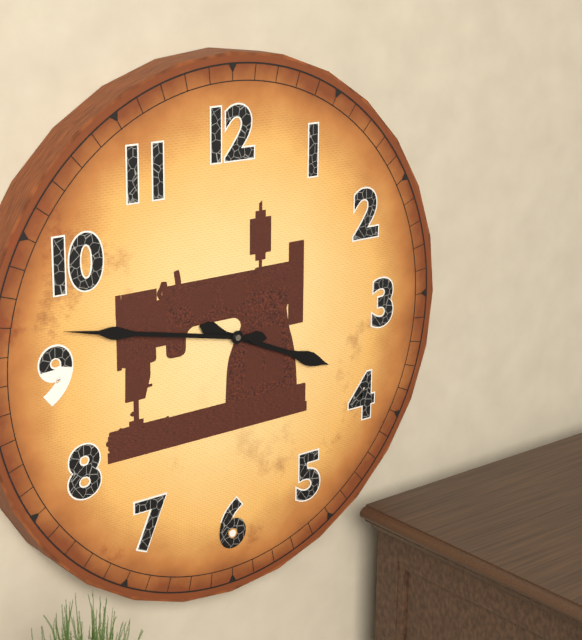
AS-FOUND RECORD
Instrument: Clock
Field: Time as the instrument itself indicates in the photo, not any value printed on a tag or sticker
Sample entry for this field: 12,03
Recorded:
3,47
